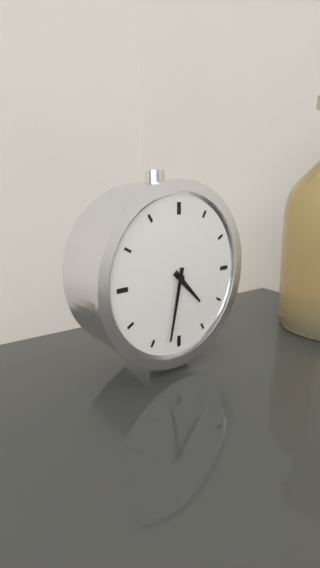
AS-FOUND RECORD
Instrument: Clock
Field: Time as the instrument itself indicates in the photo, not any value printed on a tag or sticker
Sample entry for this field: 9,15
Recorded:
4,32
